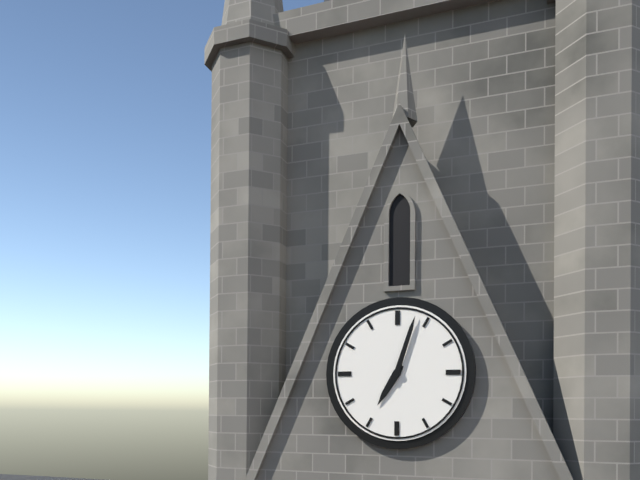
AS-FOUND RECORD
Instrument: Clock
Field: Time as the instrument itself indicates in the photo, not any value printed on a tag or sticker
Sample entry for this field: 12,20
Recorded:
7,03
